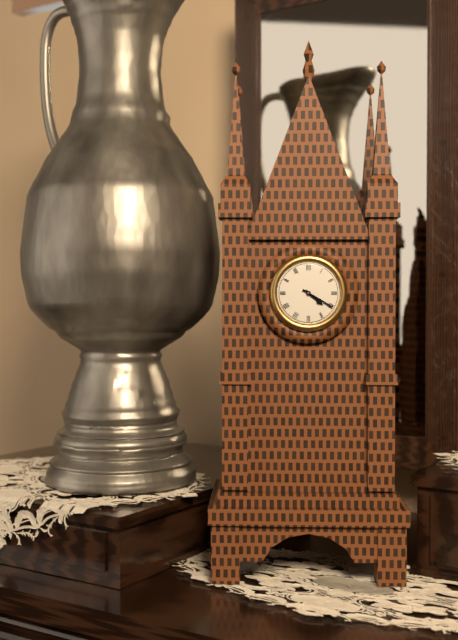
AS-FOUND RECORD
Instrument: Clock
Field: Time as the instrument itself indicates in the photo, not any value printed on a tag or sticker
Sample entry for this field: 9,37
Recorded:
4,20
